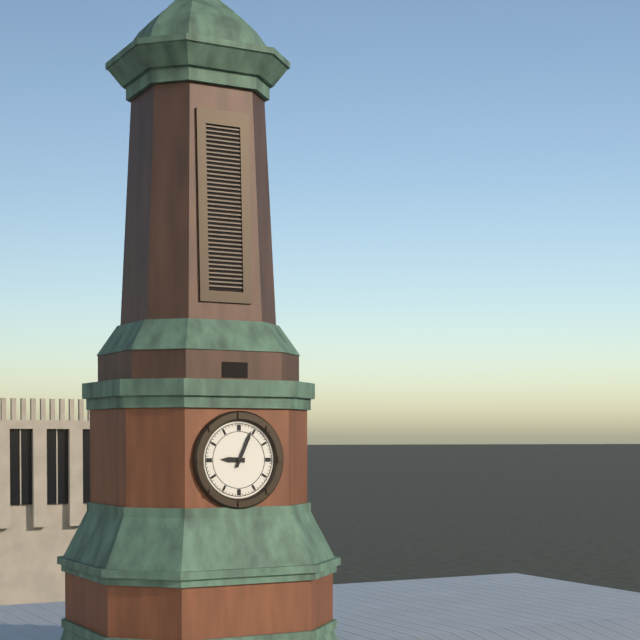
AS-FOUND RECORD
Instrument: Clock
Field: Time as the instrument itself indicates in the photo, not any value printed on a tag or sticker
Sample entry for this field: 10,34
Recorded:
9,04
